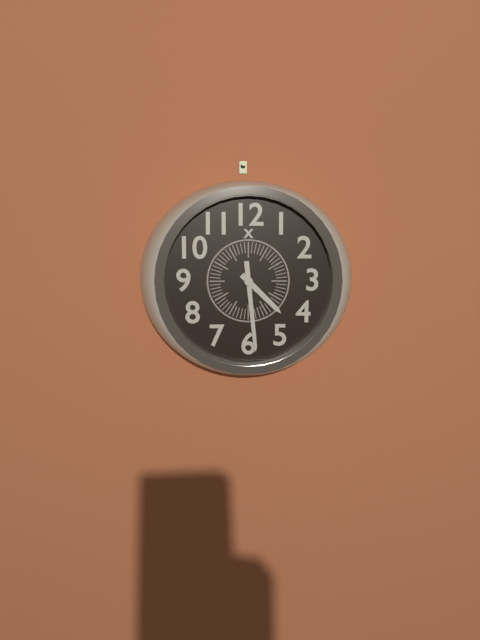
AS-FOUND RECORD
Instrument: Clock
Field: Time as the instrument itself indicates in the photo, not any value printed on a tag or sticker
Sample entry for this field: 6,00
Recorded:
4,29
